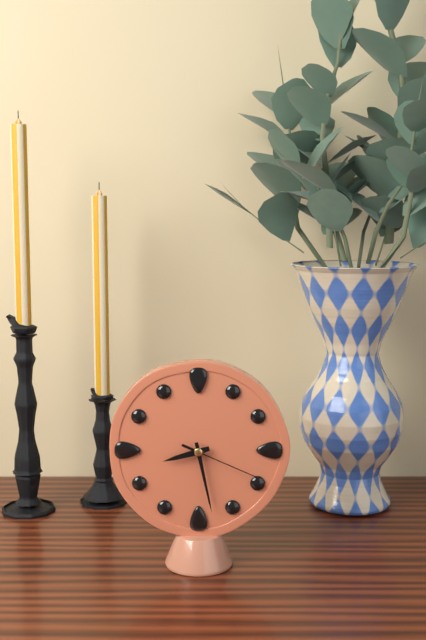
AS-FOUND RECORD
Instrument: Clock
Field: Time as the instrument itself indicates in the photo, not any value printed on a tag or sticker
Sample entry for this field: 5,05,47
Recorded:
8,28,19
